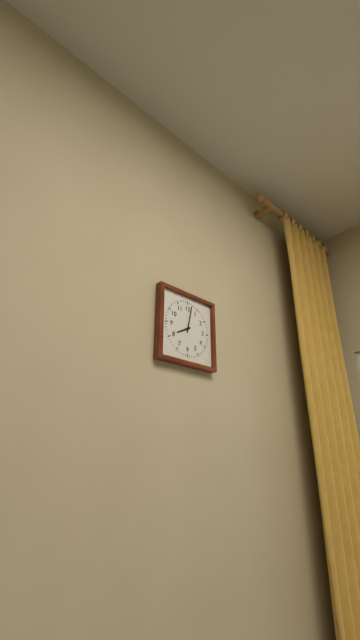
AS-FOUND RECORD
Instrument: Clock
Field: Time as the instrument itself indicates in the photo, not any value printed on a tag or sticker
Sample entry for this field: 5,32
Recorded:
8,02
